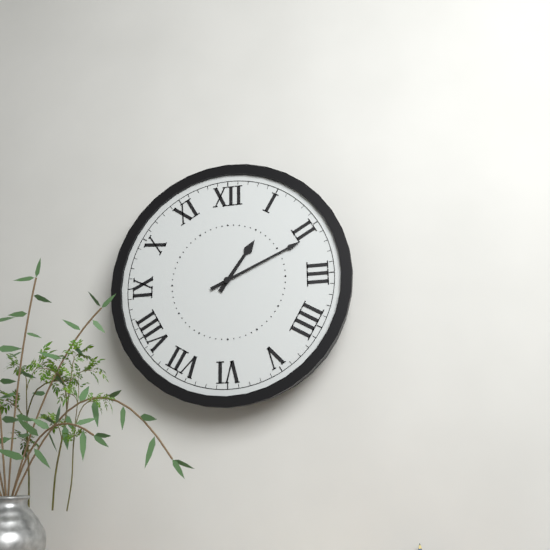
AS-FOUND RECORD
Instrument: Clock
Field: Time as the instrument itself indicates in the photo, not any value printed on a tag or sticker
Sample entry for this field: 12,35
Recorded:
1,11
